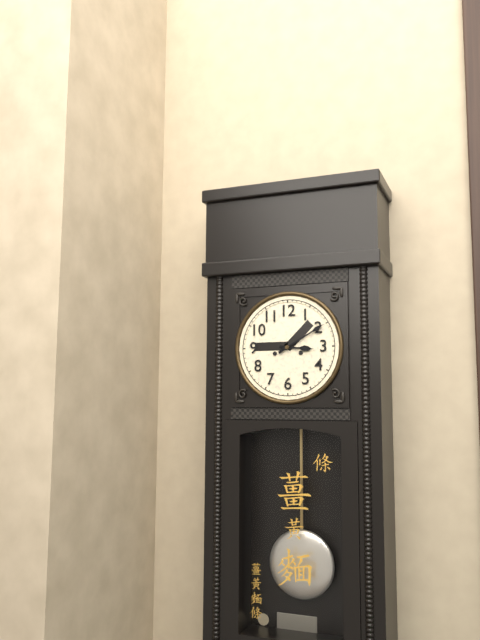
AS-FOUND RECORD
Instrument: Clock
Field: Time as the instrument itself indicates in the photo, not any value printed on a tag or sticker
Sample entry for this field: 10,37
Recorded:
3,10
